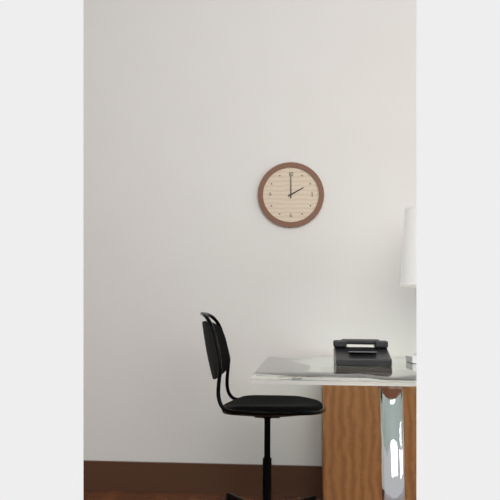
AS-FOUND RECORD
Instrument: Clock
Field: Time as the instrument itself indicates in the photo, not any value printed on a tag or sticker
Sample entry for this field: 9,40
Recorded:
2,00
